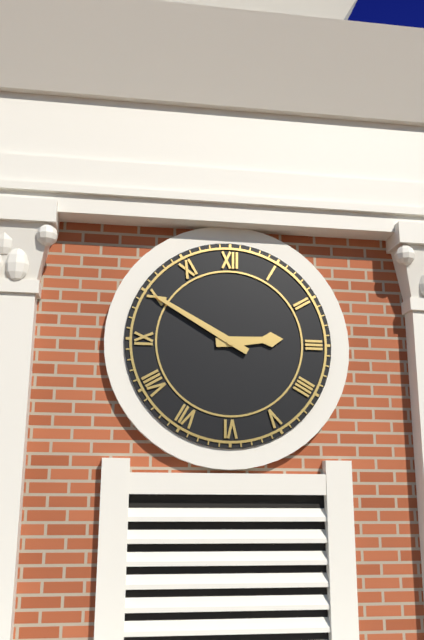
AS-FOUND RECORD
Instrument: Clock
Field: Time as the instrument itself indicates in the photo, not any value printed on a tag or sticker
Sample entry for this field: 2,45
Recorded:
2,50
